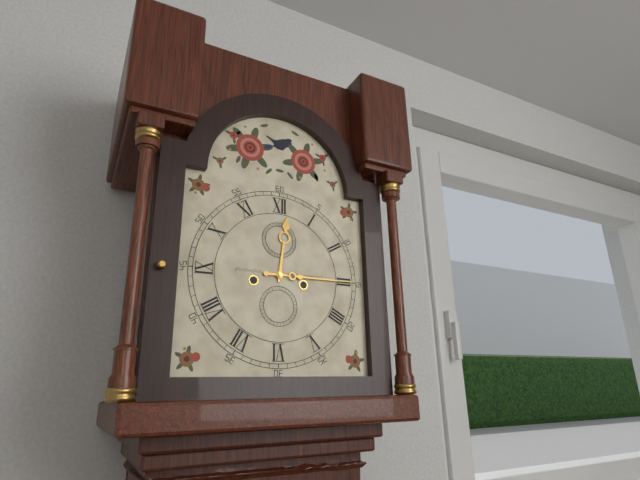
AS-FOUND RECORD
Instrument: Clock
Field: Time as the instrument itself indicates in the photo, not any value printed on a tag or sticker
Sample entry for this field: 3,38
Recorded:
12,15
